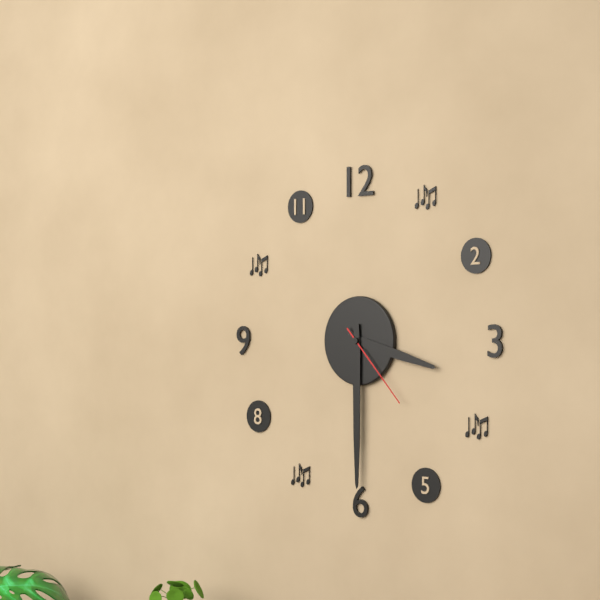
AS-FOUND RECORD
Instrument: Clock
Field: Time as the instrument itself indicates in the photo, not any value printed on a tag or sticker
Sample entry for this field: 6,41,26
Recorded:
3,30,23
